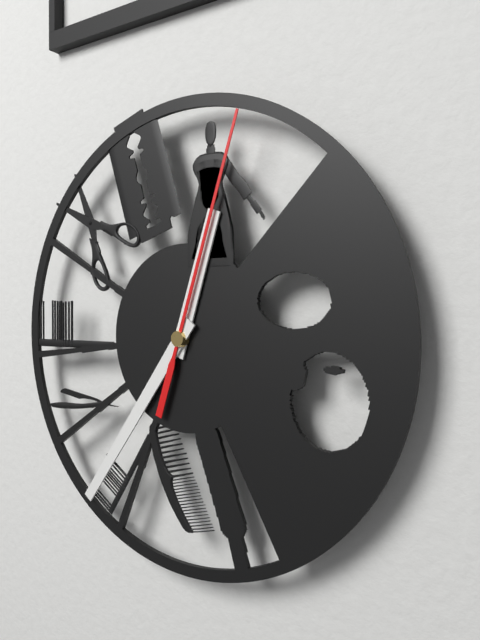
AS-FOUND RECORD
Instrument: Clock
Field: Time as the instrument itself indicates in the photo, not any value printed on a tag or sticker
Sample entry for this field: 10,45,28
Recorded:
12,36,03
